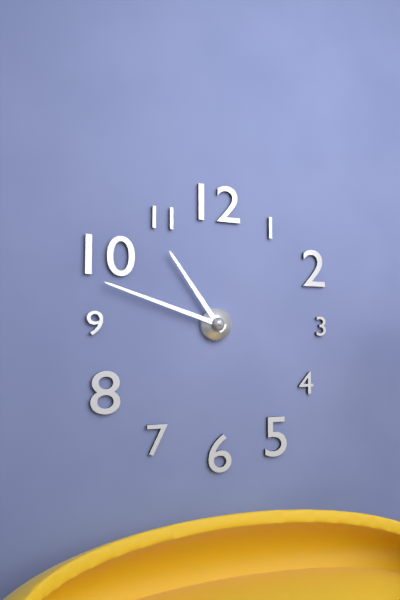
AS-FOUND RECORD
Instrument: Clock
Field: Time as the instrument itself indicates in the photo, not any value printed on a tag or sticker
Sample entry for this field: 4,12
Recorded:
10,48
